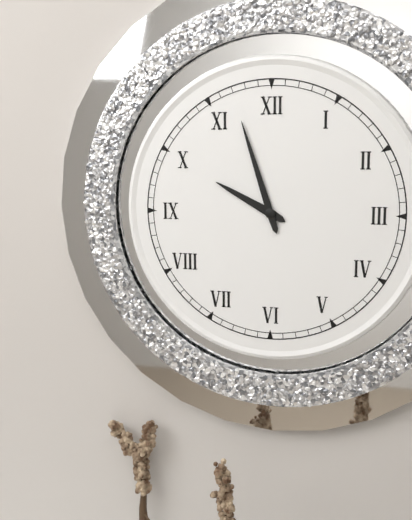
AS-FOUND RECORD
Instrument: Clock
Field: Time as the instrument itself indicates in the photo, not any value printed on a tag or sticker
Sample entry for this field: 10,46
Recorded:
9,57
